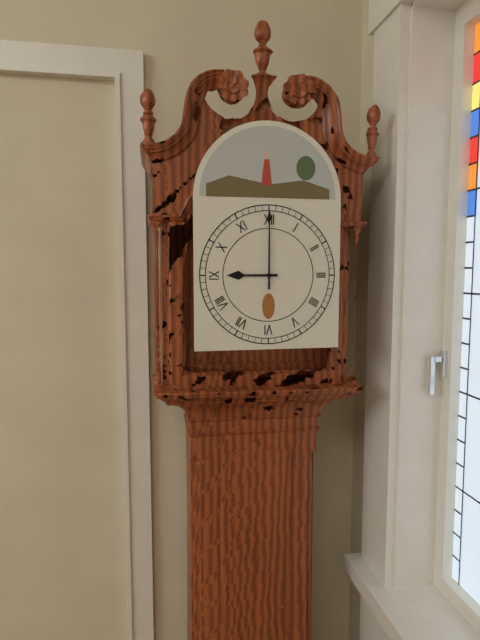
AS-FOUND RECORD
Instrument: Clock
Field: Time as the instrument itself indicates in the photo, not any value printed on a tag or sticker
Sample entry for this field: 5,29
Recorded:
9,00
